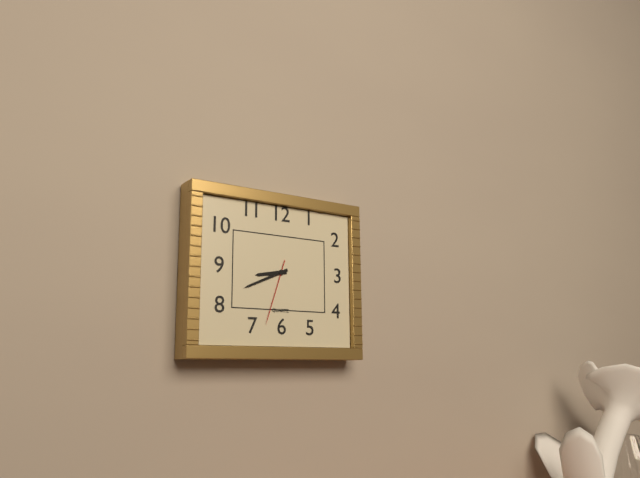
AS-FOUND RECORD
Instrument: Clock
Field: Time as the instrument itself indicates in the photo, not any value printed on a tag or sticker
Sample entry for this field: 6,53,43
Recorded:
8,41,33
